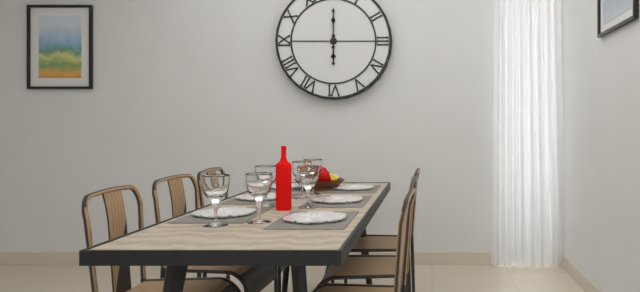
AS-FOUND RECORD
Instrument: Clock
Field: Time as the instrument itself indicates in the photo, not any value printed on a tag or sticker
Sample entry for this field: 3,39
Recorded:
6,00
